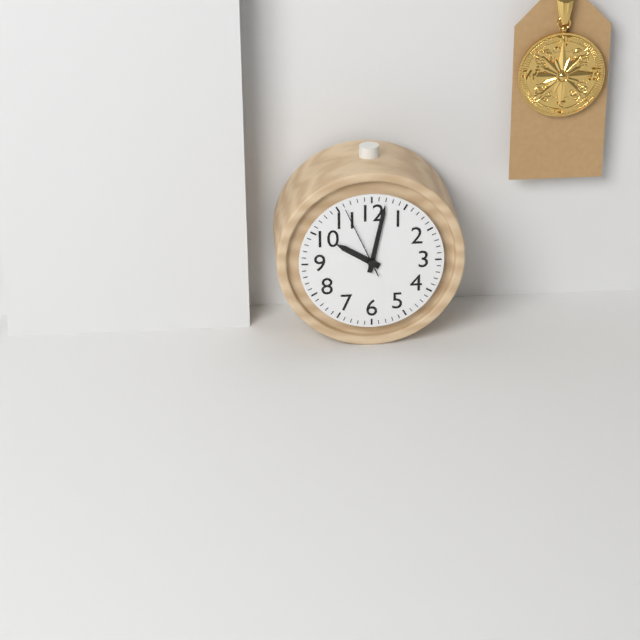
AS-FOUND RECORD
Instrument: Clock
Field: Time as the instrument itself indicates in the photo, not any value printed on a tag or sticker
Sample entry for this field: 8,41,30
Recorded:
10,02,56
